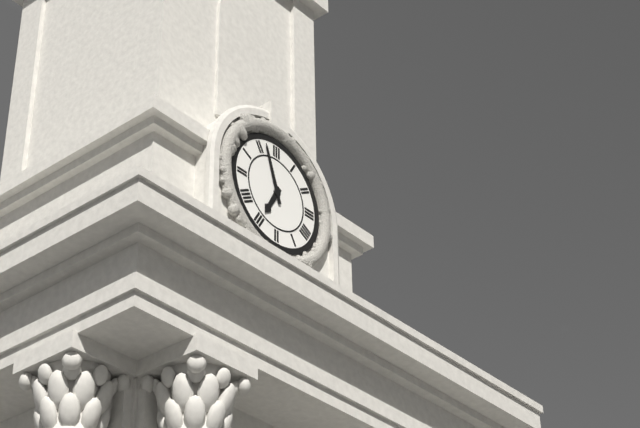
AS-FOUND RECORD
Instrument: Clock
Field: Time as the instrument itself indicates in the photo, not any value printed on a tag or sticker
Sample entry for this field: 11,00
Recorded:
6,57
